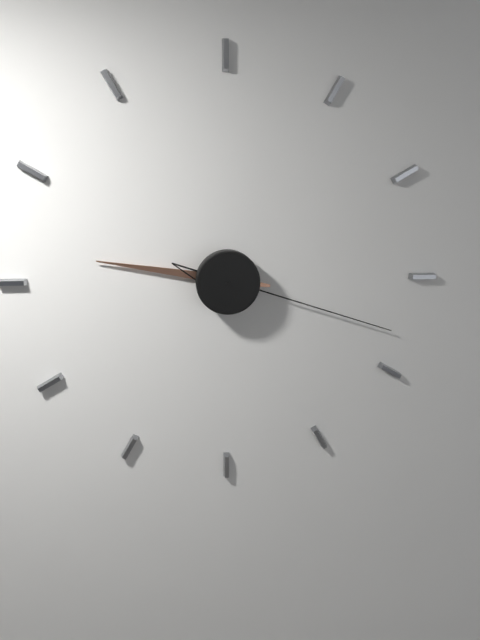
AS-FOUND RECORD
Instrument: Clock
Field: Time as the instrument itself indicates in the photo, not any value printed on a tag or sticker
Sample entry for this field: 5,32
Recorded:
9,18
